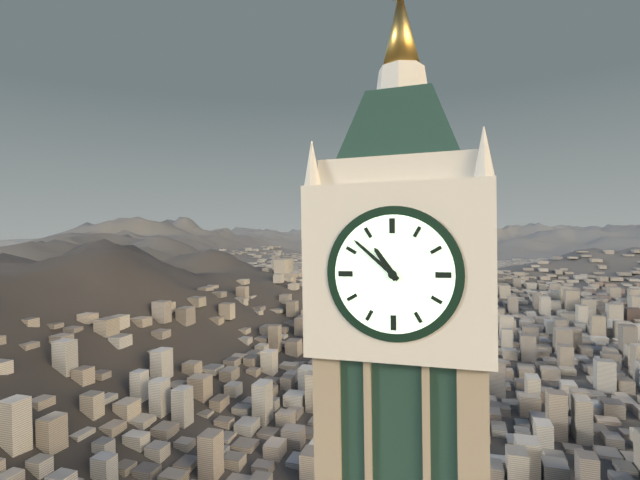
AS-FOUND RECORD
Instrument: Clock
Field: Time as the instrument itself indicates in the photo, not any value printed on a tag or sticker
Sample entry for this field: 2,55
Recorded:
10,52
